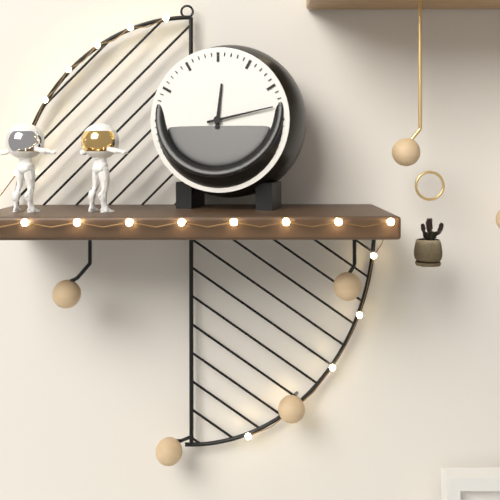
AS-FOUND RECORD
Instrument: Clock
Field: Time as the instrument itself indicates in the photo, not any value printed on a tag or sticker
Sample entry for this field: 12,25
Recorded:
12,13
